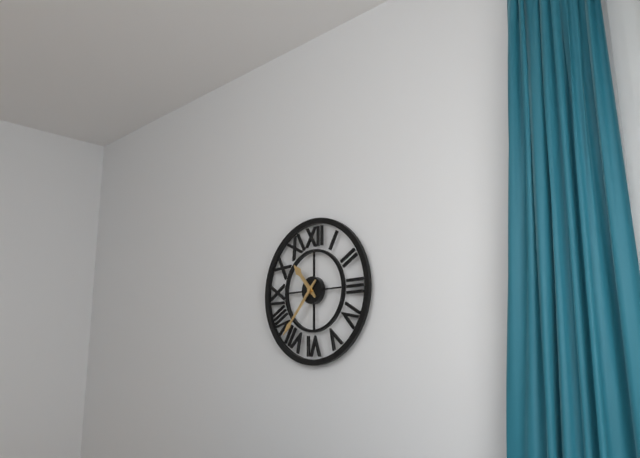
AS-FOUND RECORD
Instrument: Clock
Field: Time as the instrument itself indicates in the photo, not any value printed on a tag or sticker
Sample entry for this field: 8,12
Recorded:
10,37
